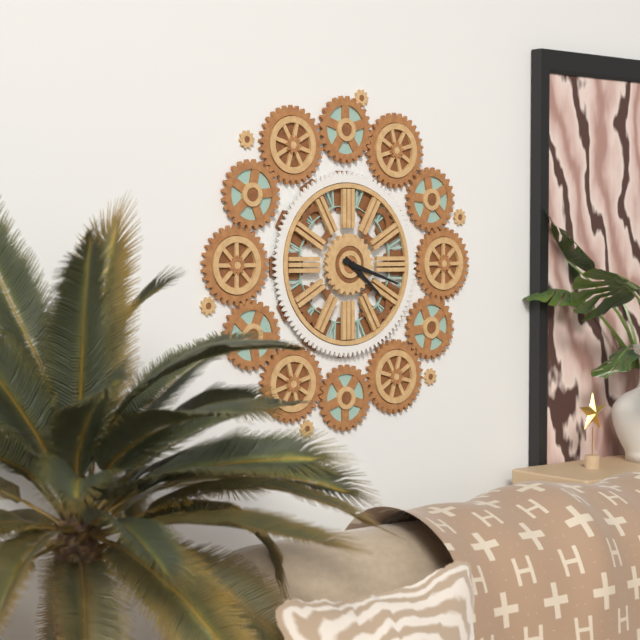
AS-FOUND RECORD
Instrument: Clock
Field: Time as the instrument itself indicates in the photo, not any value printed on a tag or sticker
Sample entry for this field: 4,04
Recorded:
4,18
